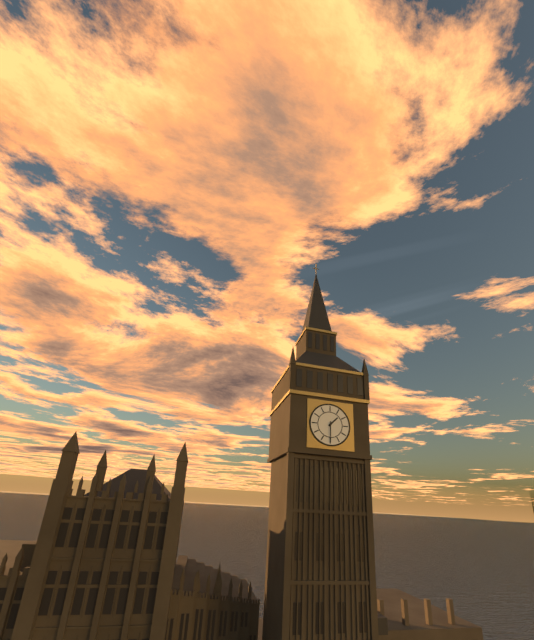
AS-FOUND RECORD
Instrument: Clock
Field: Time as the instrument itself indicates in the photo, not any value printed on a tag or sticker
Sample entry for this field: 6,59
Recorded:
1,30
